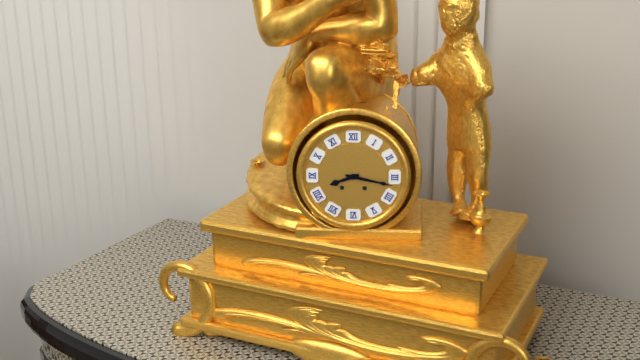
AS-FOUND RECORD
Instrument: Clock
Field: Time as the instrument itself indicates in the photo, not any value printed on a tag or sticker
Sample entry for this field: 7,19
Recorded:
8,17
